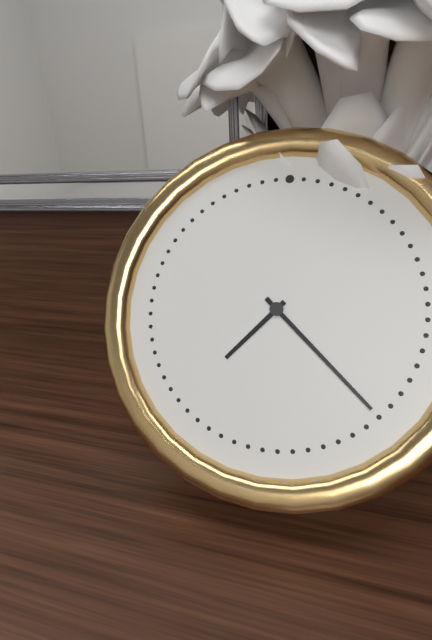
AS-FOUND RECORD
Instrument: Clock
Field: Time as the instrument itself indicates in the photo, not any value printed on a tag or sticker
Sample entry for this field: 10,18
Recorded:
7,22
